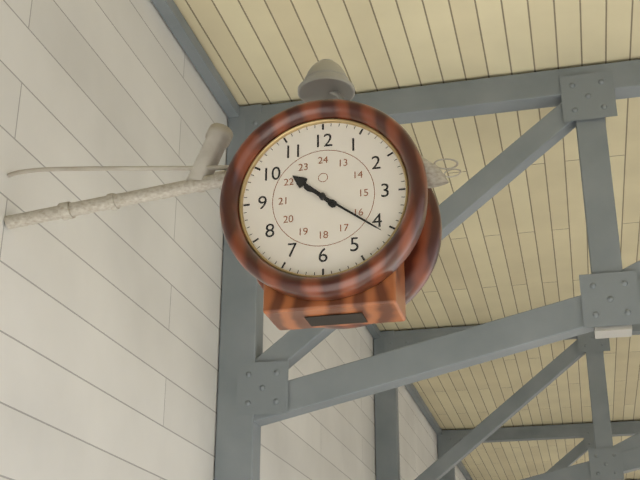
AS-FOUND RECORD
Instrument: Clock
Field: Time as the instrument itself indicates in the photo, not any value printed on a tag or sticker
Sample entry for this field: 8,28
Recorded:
10,21
